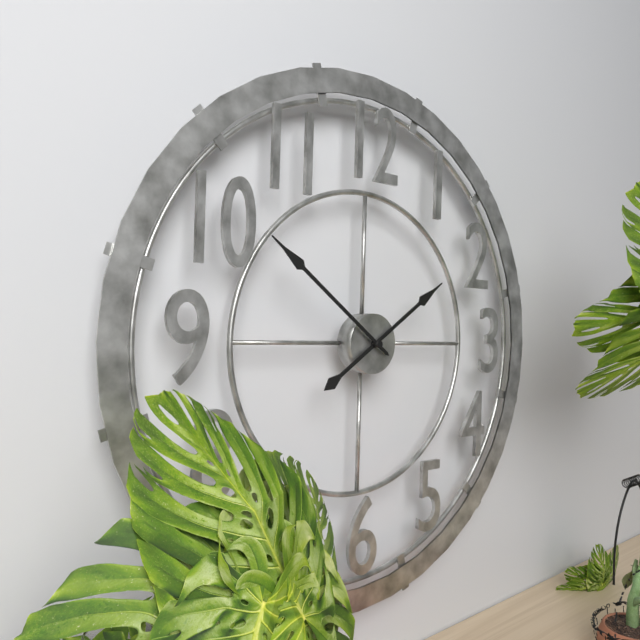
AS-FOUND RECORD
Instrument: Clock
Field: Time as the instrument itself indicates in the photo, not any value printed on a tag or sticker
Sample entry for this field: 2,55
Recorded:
1,51
